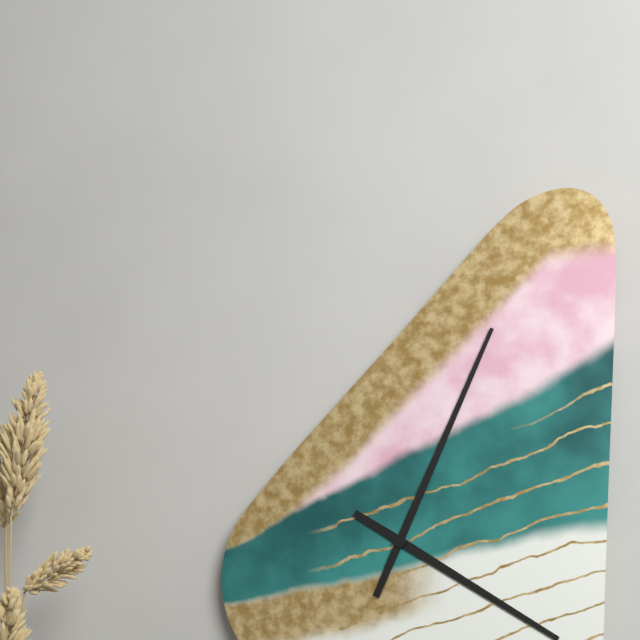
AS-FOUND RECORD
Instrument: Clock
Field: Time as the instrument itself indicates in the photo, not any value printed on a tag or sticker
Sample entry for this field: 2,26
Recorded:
4,04
